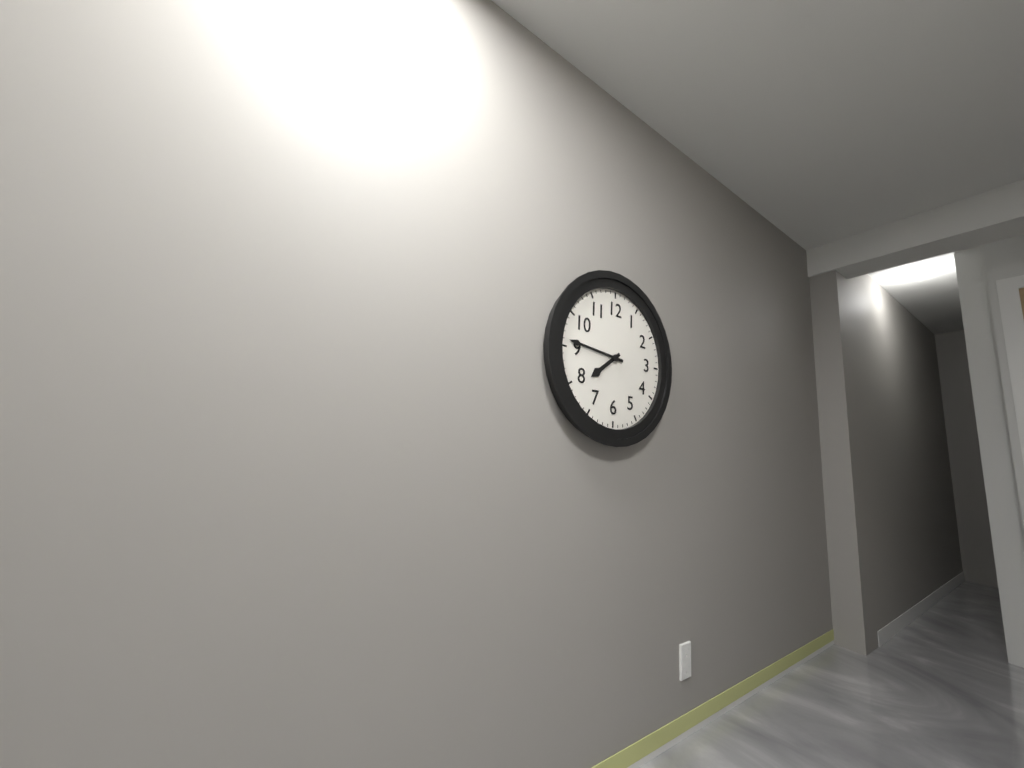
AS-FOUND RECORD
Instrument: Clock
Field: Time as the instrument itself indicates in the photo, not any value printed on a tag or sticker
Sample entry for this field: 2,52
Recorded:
7,46
